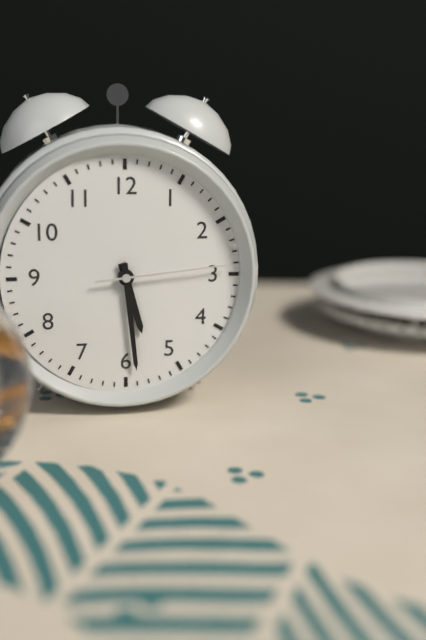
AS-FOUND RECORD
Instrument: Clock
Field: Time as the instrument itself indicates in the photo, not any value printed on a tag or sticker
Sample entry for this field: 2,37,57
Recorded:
5,29,14
